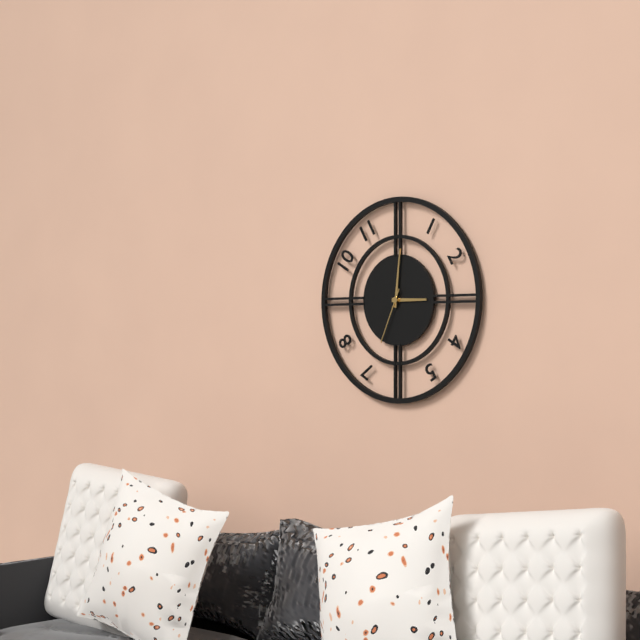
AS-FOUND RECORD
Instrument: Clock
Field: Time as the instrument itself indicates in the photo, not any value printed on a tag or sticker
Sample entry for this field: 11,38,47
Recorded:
3,01,34
